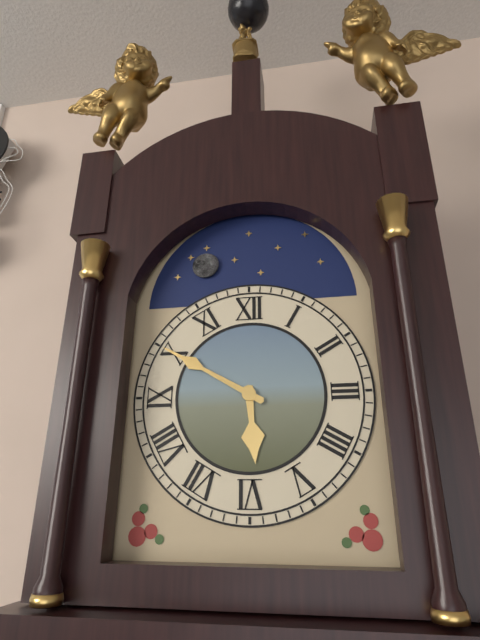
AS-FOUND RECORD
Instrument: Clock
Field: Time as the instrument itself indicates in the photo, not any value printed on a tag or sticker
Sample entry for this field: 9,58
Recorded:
5,50
